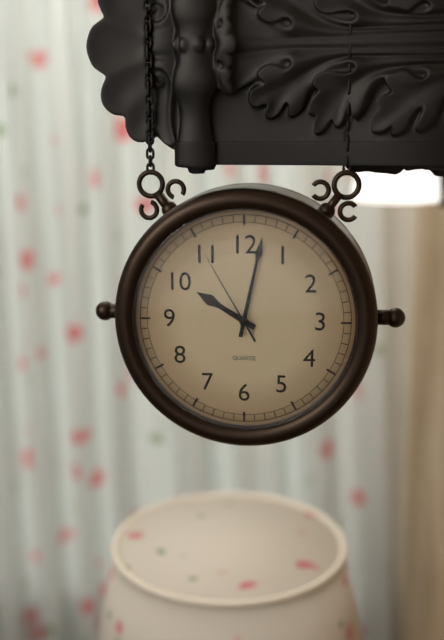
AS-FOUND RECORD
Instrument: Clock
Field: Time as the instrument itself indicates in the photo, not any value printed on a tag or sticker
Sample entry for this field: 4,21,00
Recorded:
10,02,55
